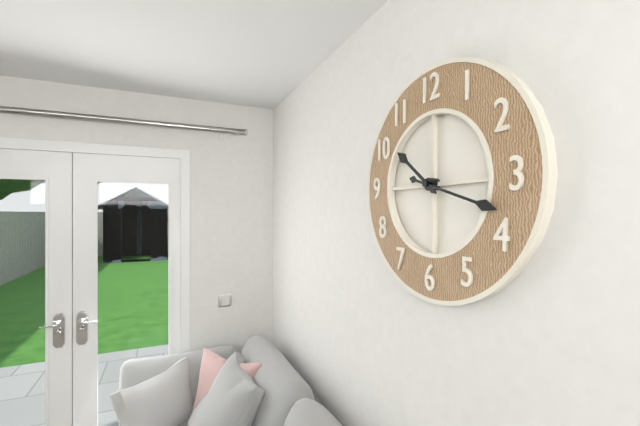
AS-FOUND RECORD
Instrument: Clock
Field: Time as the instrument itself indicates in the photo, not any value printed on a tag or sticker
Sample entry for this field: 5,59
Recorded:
10,18
